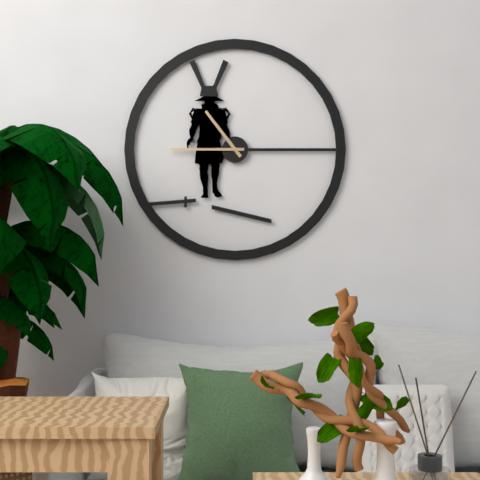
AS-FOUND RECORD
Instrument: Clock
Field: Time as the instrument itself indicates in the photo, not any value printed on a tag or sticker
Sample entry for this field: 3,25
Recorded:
10,45
